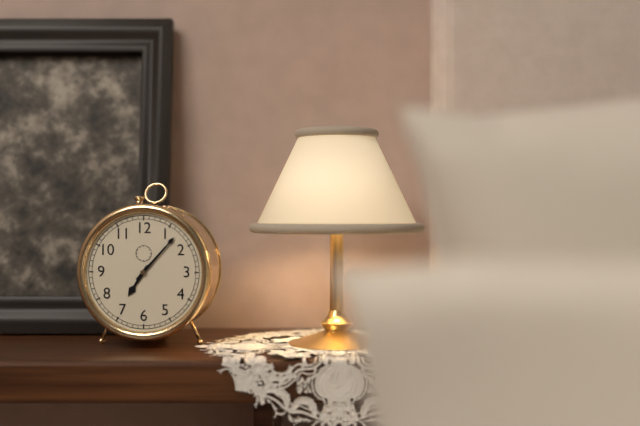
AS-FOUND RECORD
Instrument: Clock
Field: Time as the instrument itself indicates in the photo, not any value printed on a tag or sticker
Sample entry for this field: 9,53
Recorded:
7,07
